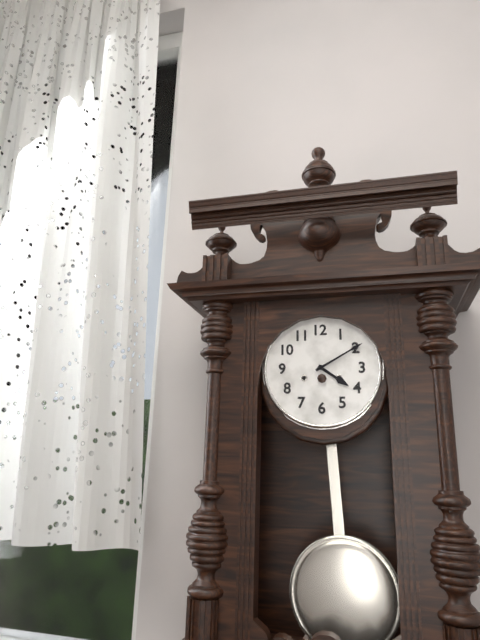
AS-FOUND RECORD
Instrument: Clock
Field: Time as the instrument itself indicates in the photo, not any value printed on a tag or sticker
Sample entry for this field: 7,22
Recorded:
4,10
